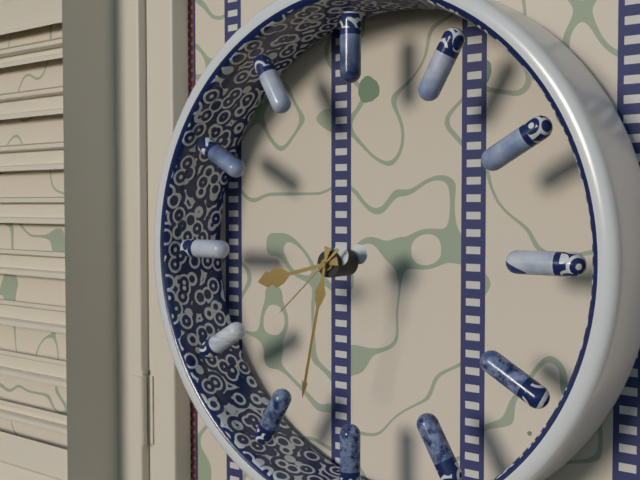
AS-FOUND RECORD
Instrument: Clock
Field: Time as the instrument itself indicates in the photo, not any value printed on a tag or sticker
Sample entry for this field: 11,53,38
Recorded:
8,32,38
